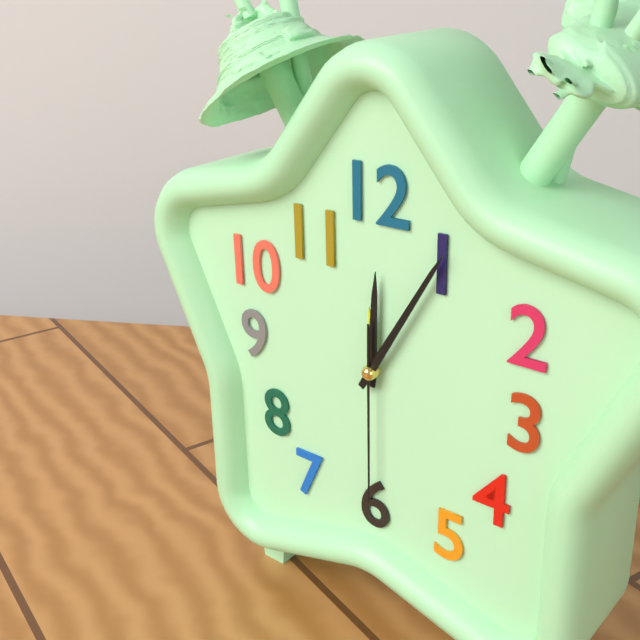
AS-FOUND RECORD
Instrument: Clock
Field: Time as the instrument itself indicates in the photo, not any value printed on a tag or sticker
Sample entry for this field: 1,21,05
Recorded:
12,05,30
